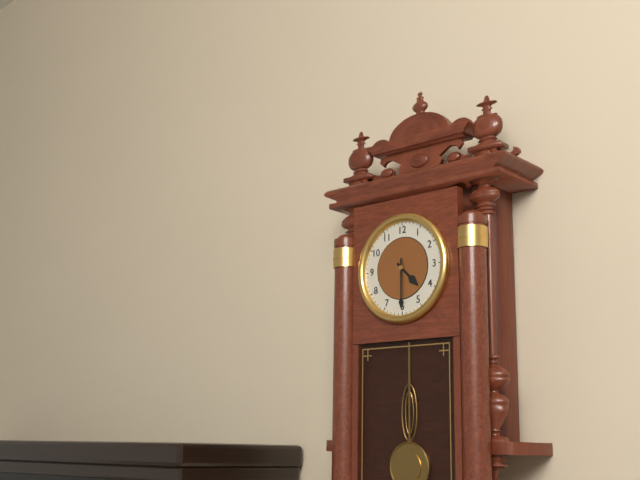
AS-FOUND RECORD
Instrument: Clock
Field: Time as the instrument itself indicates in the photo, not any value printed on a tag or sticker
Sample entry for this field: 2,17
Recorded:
4,30
